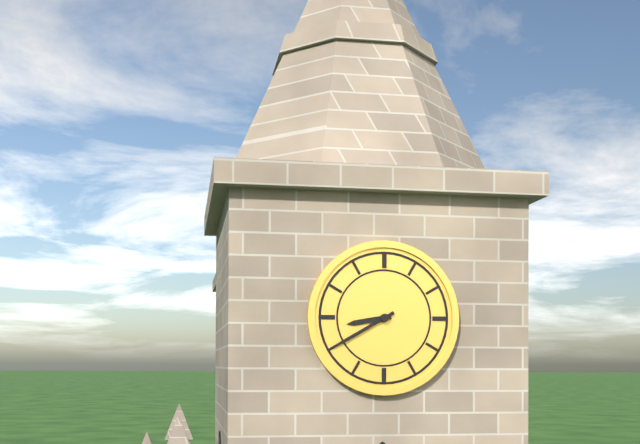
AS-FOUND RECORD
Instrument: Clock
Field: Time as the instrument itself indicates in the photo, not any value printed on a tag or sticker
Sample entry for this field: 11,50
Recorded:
8,40
